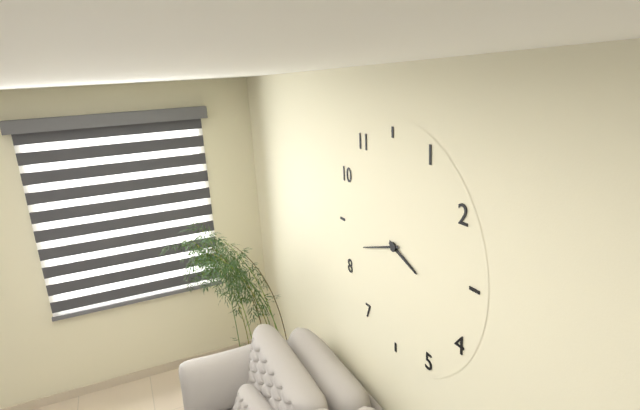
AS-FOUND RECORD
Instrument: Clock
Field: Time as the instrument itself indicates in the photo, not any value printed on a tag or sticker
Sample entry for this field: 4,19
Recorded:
3,42
